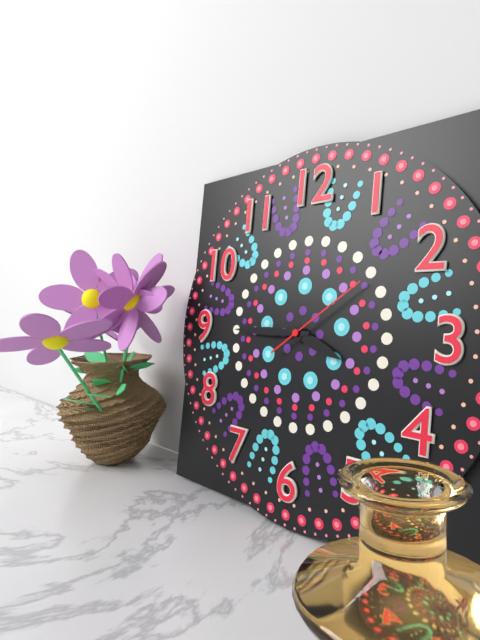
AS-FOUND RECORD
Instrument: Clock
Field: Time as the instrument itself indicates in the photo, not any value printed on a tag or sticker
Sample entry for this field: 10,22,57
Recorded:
3,45,09
